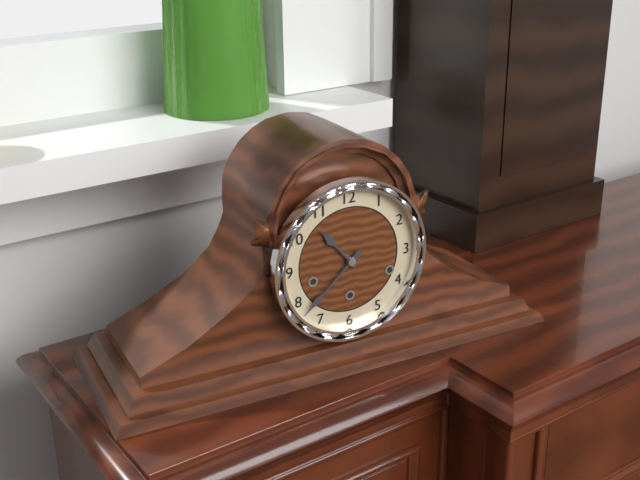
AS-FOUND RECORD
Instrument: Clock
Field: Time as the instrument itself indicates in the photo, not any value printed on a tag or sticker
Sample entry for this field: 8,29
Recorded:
10,38
